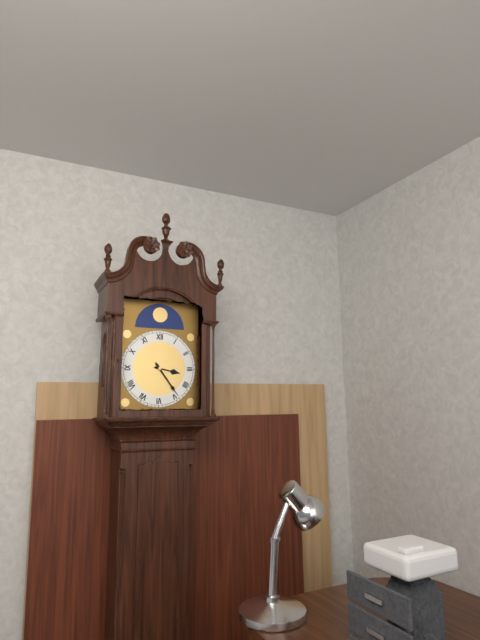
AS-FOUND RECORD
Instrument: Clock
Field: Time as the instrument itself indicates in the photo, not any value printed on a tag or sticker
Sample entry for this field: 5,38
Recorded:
3,24
